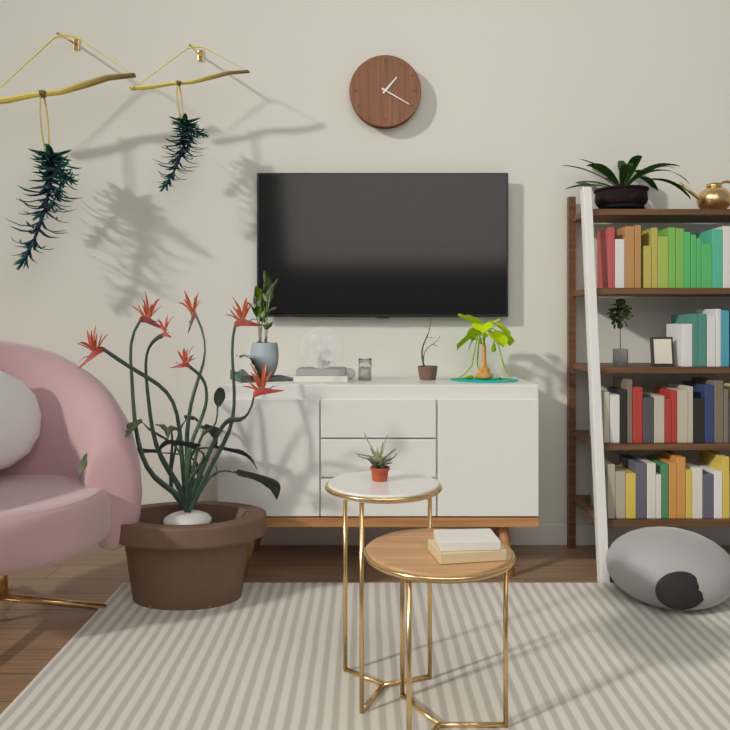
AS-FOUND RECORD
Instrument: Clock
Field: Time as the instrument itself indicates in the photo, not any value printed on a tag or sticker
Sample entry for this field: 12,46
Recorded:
1,20
